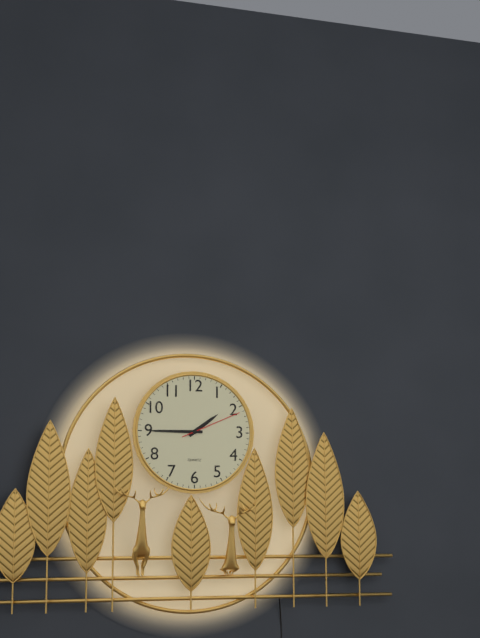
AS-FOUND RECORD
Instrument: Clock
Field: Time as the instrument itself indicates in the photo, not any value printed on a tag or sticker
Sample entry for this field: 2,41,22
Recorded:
1,45,11
